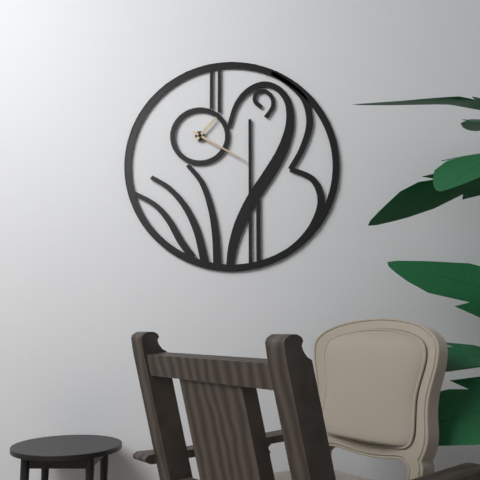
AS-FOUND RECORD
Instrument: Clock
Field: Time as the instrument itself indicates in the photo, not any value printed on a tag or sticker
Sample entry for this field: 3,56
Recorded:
1,20
